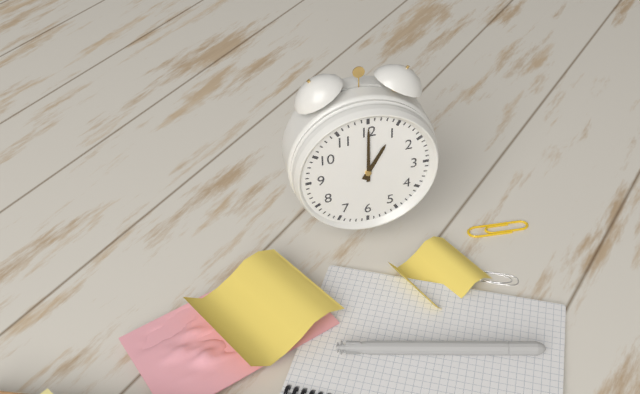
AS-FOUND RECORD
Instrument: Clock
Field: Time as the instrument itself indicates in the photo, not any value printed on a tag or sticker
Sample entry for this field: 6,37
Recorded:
1,00
